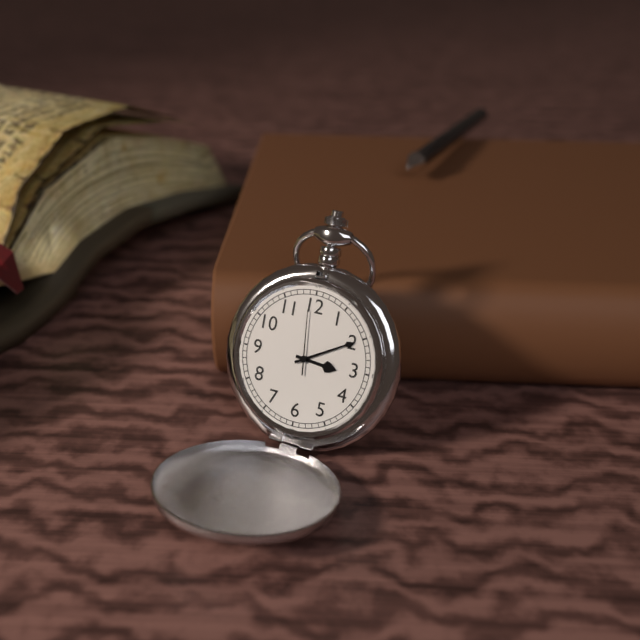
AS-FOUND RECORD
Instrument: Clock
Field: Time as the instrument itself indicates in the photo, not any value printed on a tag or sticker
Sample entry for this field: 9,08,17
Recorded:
3,10,59
